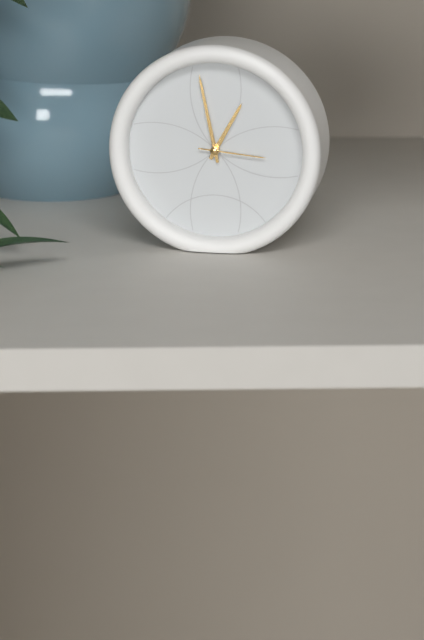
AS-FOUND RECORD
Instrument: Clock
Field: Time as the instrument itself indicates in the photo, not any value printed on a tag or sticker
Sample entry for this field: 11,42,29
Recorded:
12,58,16
